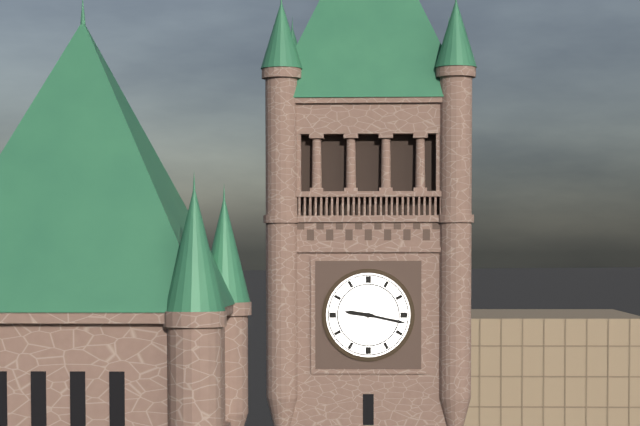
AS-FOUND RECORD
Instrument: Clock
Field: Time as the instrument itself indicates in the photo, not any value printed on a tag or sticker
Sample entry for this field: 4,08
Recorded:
9,17
